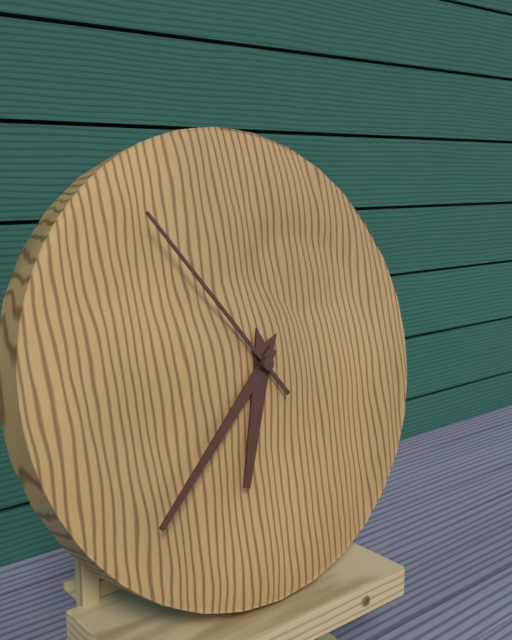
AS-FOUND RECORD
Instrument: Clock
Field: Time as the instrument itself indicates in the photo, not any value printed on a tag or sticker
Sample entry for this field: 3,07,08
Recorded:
6,38,54
